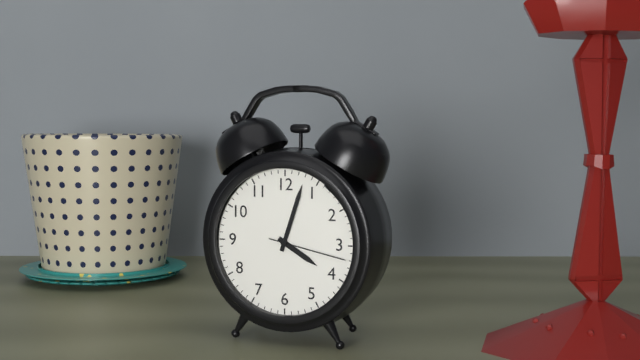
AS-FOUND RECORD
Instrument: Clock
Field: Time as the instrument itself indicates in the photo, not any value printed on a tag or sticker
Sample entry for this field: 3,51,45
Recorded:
4,03,17
